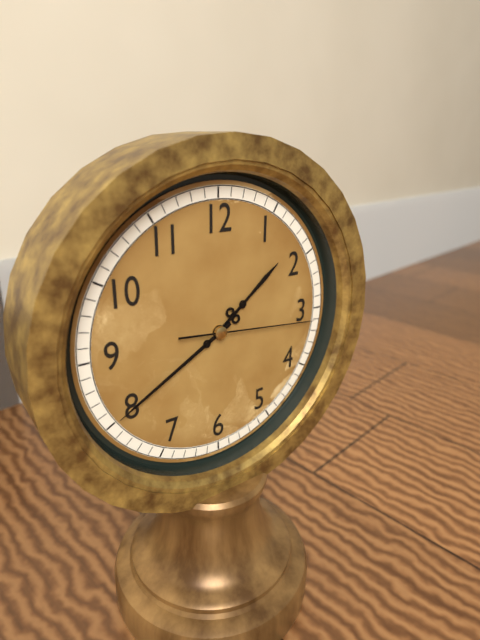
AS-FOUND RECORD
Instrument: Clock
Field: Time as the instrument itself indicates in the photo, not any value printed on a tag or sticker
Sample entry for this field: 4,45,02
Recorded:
1,40,16
